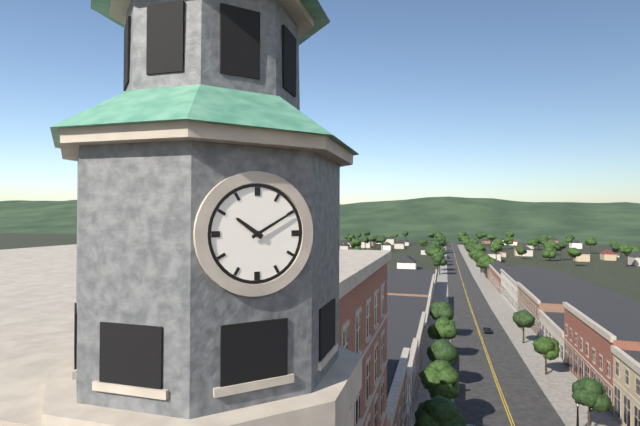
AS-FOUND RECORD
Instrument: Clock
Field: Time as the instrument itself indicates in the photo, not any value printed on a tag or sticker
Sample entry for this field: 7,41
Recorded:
10,10
